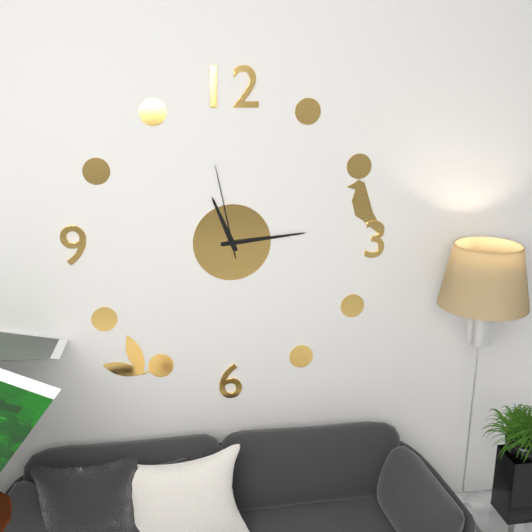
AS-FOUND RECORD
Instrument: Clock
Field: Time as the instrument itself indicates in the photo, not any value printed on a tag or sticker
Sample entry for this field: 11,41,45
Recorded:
11,14,58
